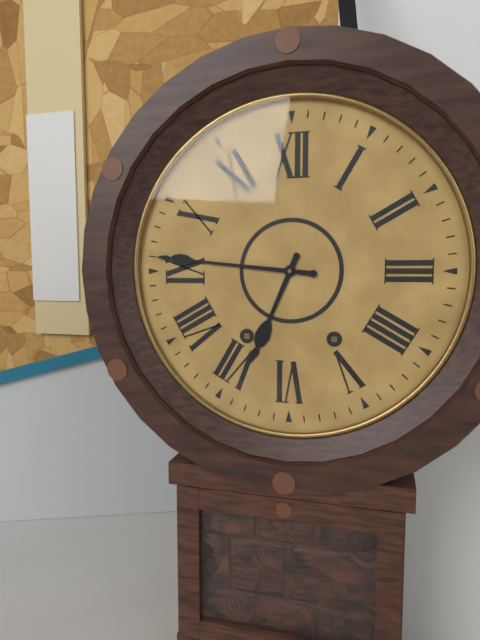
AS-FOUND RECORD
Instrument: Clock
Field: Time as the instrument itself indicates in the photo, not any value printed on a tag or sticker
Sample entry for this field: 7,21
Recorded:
6,46
